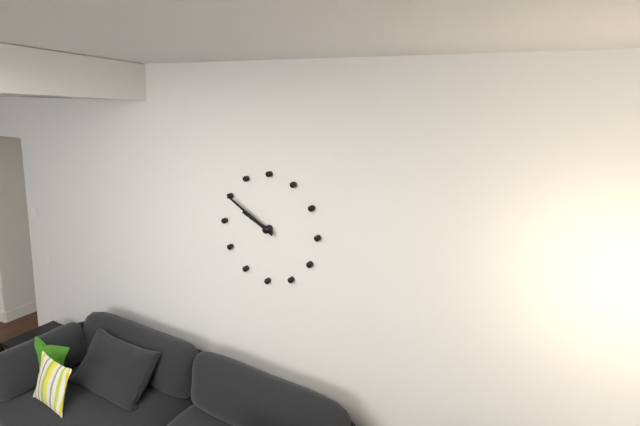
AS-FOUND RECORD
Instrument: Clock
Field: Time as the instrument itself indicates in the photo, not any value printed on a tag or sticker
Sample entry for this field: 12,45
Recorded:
9,50
